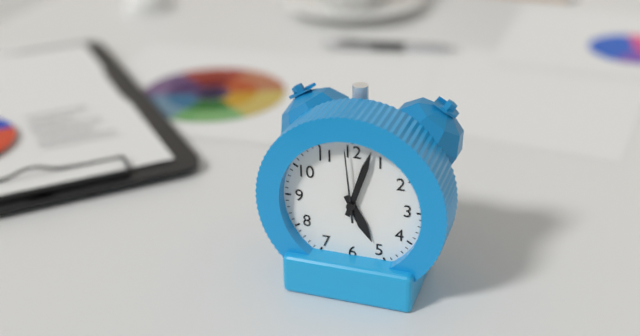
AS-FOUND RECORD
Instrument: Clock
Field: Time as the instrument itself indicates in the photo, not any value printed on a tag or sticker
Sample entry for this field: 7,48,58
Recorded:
5,03,59
